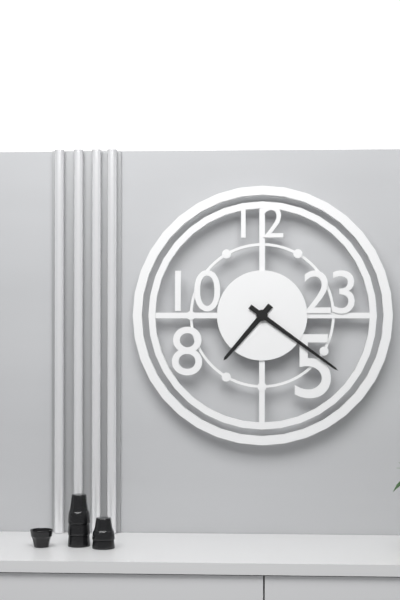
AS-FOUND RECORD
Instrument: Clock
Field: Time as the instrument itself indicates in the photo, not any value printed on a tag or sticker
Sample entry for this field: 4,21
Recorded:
7,21
